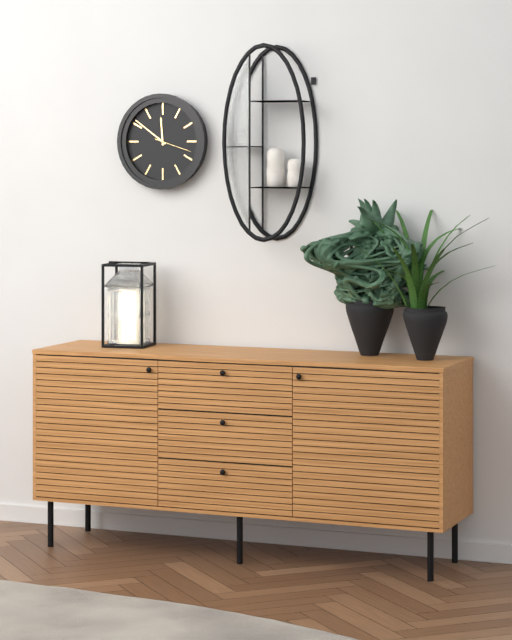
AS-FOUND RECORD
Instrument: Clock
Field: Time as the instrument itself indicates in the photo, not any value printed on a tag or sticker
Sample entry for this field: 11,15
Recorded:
11,51
